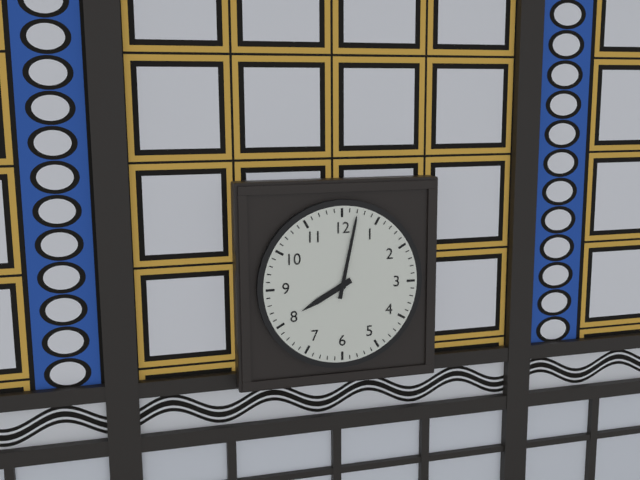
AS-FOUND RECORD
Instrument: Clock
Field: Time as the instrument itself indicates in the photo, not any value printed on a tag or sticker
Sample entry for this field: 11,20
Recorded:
8,02
